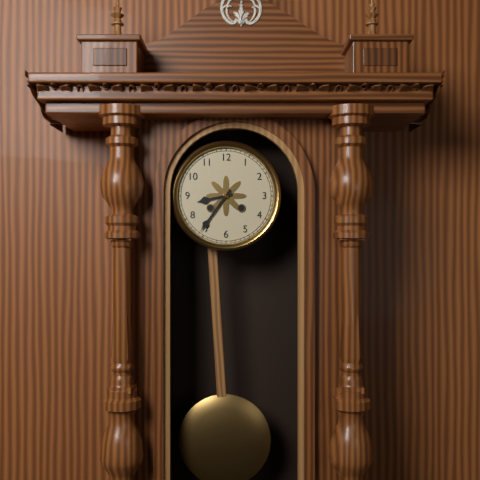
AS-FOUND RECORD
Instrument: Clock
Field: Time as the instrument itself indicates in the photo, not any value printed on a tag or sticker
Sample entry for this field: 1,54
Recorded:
8,36
